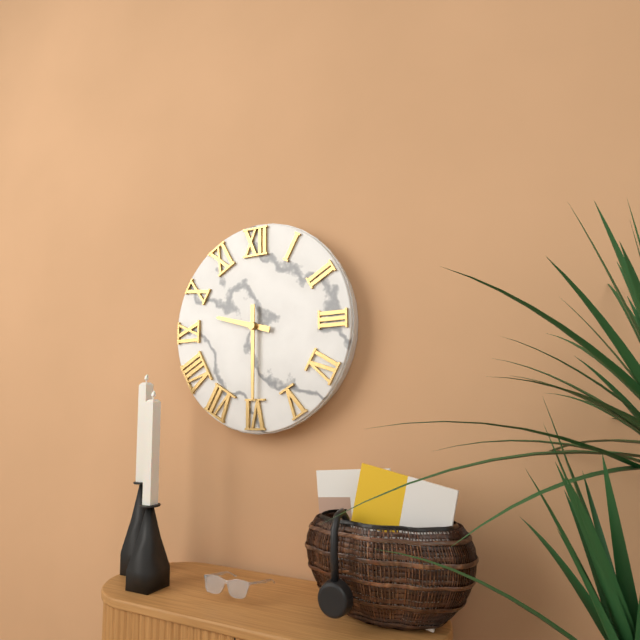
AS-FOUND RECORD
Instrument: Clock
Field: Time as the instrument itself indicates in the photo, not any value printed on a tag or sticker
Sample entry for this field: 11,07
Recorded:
9,30
